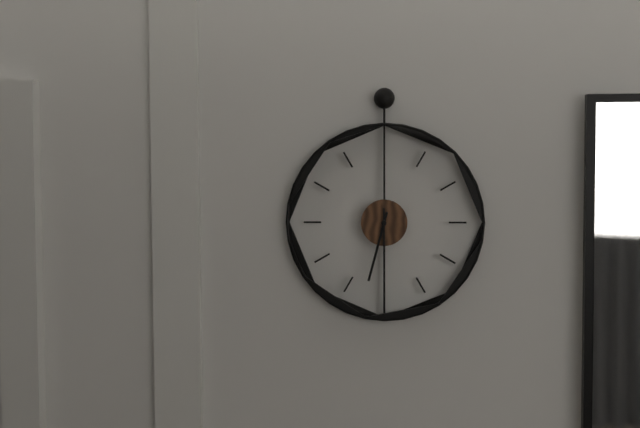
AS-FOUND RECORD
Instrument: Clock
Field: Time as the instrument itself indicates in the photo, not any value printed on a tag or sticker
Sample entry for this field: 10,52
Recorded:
6,30
